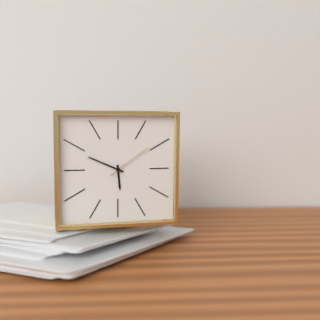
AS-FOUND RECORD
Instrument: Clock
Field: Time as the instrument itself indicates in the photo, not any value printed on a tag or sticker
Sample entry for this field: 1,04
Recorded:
5,49
